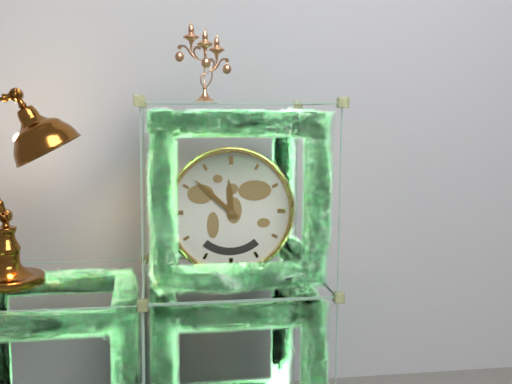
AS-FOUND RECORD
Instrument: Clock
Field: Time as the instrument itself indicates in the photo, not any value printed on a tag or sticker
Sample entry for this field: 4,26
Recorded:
11,52
